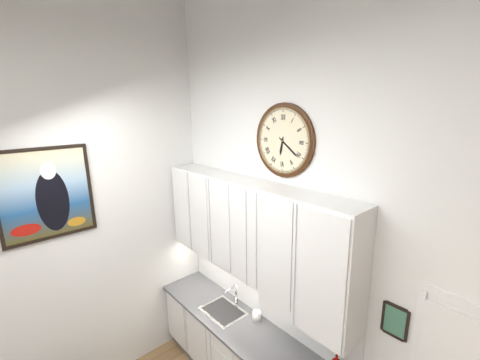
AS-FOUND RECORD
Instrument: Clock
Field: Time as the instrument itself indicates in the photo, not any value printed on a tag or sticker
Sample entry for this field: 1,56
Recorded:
6,21
